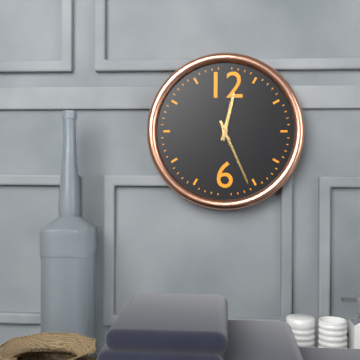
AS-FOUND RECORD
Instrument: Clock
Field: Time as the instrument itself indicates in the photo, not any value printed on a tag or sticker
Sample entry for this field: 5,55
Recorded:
12,26
